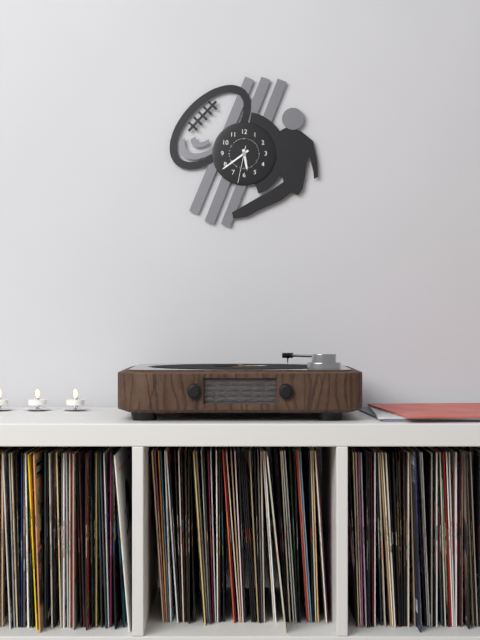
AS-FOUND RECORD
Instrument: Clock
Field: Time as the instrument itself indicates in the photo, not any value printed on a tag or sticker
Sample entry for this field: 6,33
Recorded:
5,39
